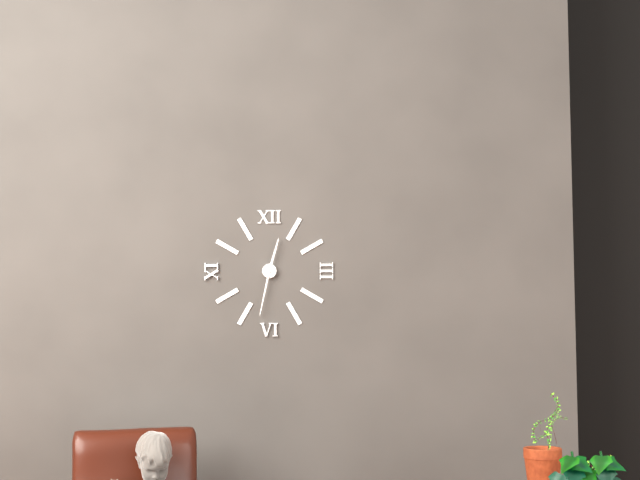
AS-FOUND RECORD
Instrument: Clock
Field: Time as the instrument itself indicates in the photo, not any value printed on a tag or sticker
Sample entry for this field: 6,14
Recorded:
12,32
